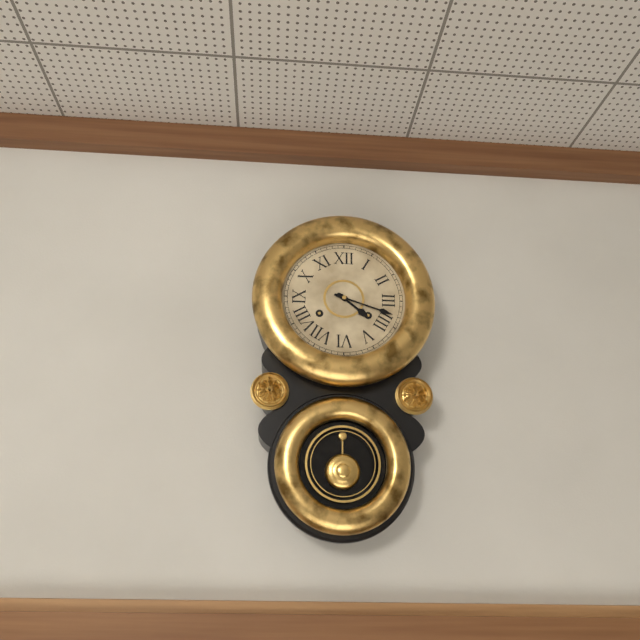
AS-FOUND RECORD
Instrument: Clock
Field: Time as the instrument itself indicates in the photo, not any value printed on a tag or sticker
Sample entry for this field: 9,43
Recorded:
4,18
